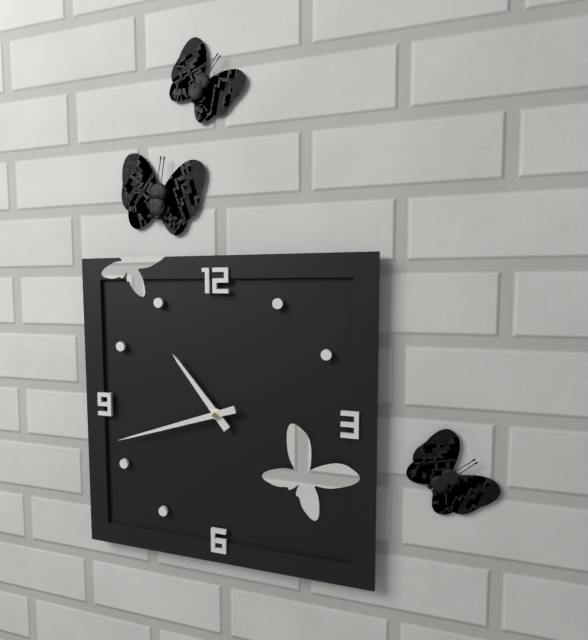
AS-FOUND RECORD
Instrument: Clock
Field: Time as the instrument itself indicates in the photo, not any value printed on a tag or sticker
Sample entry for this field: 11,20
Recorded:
10,42
